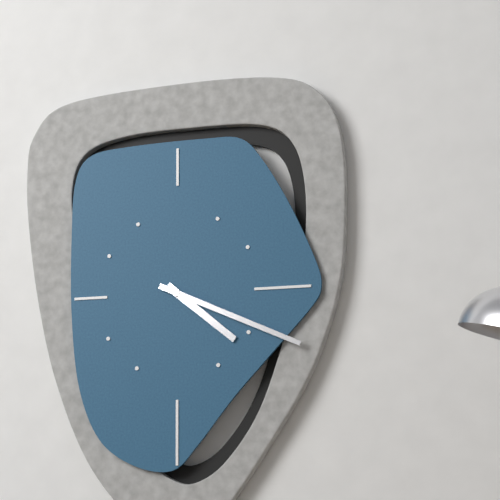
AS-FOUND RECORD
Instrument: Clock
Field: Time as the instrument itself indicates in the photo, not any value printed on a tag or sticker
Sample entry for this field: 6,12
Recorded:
4,19
